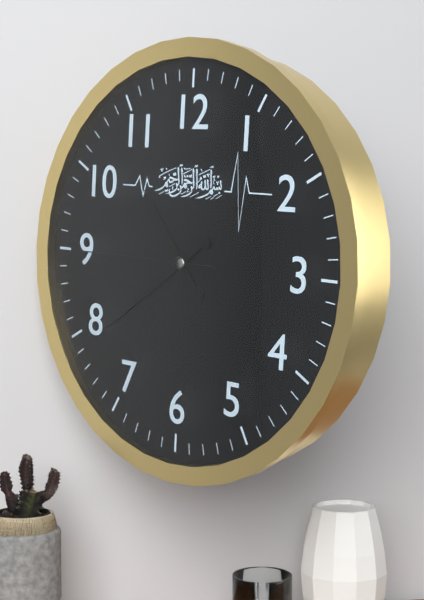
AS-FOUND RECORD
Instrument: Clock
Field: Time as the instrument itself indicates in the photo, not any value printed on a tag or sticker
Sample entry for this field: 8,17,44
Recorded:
10,39,45
